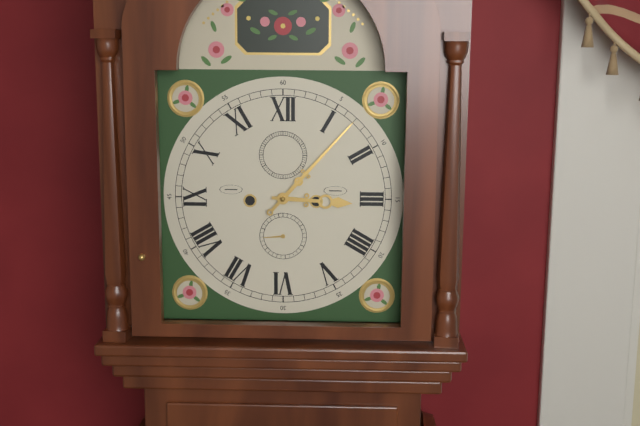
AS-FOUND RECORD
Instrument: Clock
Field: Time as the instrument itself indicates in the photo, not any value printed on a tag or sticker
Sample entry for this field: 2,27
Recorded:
3,07
